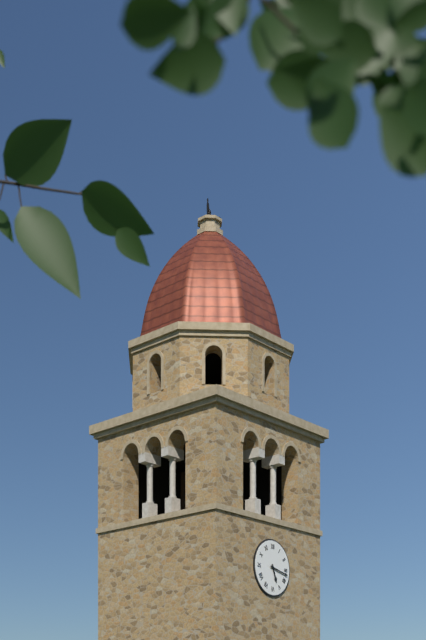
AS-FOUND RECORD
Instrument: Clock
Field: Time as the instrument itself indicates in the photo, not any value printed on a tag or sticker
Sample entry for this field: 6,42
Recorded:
5,17
